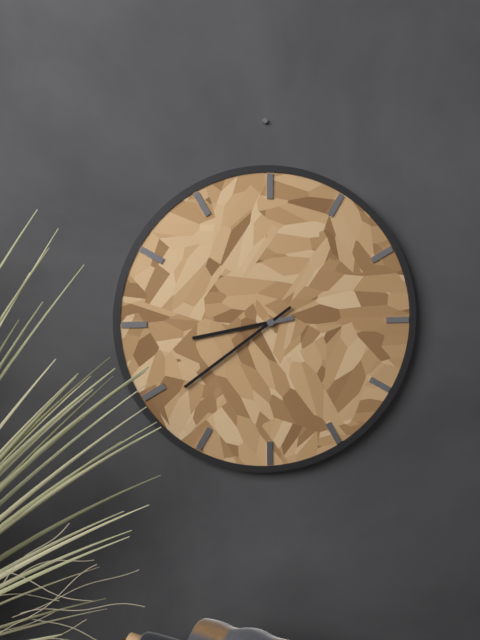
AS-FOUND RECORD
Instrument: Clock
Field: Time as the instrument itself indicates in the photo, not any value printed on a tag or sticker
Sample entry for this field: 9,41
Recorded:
8,39
